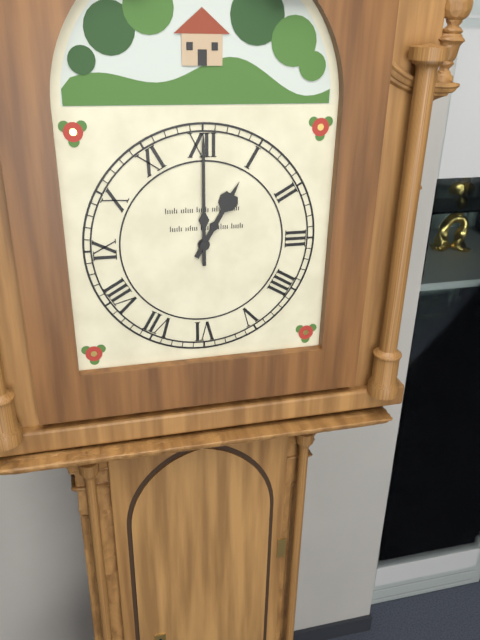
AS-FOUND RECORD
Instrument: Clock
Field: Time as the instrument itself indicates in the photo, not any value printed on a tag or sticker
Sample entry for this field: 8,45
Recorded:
1,00
